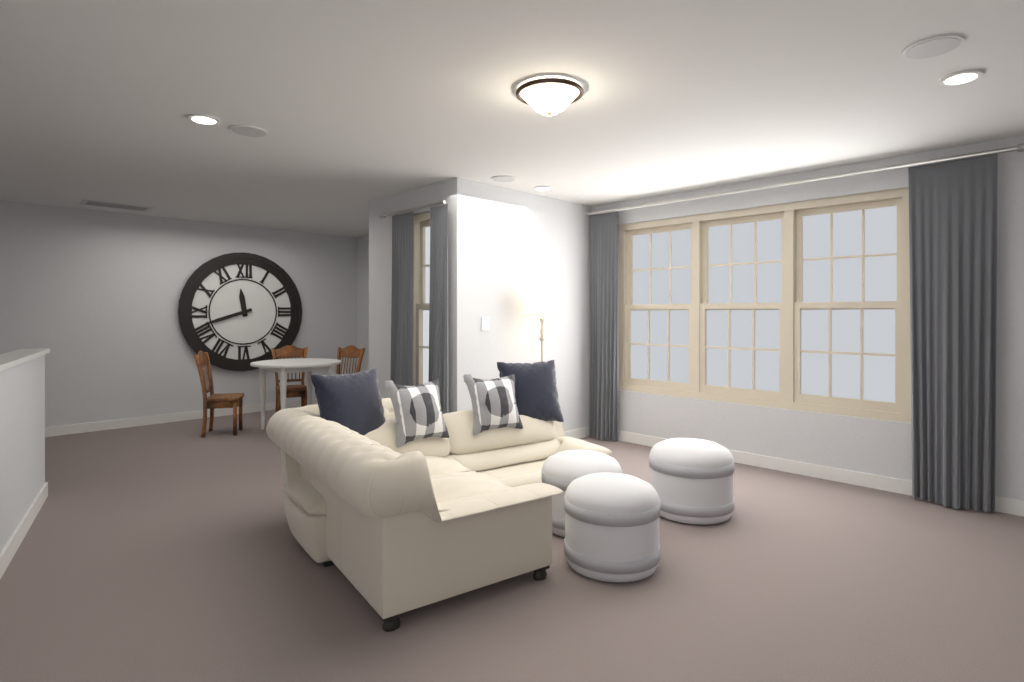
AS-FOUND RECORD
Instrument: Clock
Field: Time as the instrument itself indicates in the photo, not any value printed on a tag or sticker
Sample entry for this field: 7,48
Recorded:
11,42
